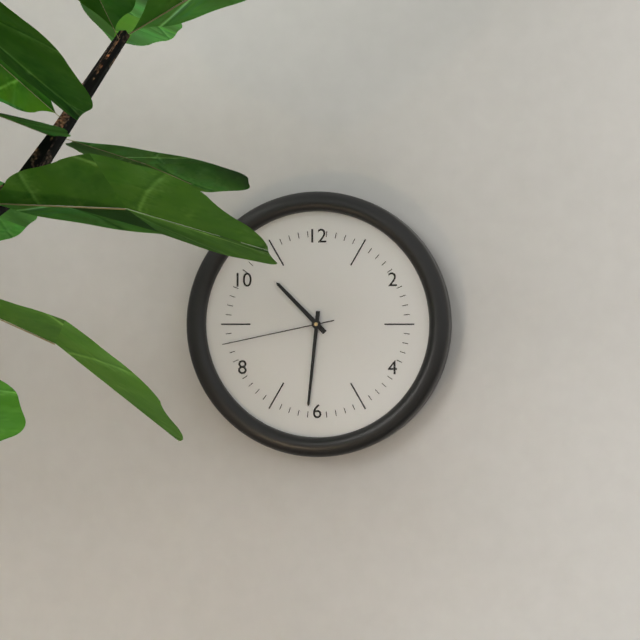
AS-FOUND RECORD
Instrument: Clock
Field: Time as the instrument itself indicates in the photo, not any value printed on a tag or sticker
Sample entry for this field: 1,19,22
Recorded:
10,31,43
